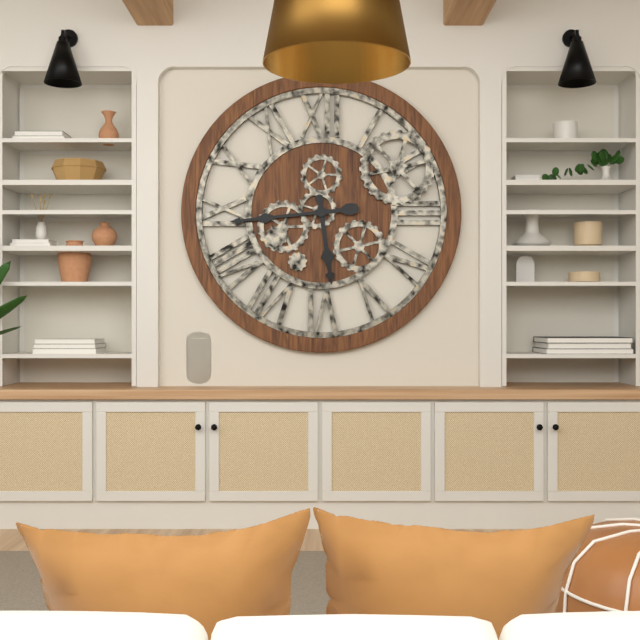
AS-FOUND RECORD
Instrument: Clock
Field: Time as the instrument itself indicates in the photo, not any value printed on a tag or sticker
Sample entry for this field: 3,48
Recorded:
5,44
